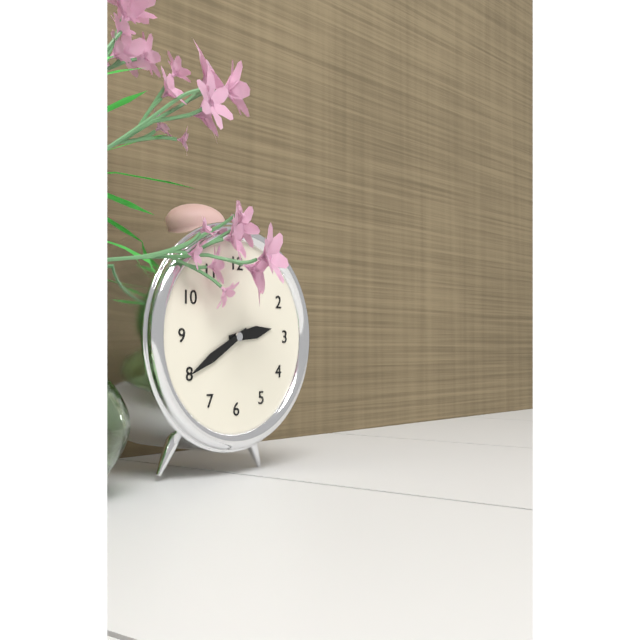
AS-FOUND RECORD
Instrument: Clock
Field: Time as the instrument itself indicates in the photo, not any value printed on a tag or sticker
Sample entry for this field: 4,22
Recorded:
2,40
